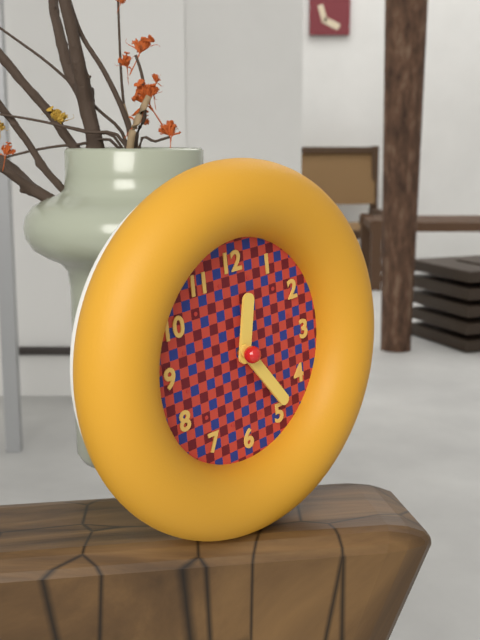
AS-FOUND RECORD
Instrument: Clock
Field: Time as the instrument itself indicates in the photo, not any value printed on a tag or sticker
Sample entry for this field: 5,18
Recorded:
12,24
